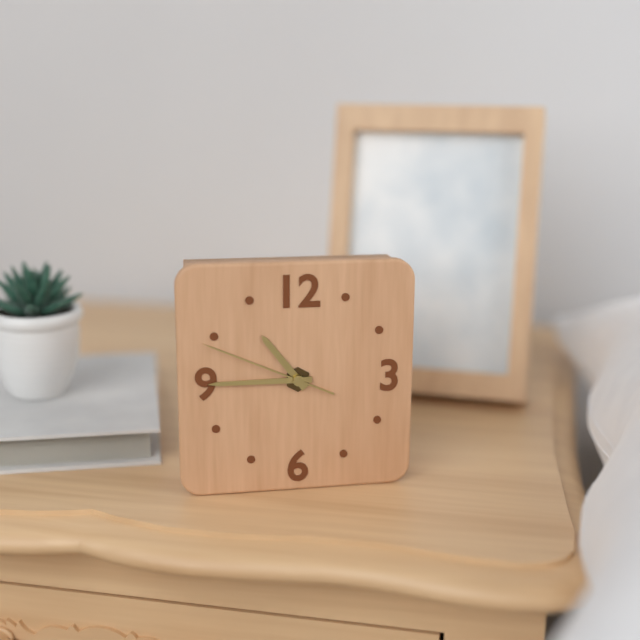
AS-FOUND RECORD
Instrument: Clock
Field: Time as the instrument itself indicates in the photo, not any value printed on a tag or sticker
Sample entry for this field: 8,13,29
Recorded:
10,45,49
